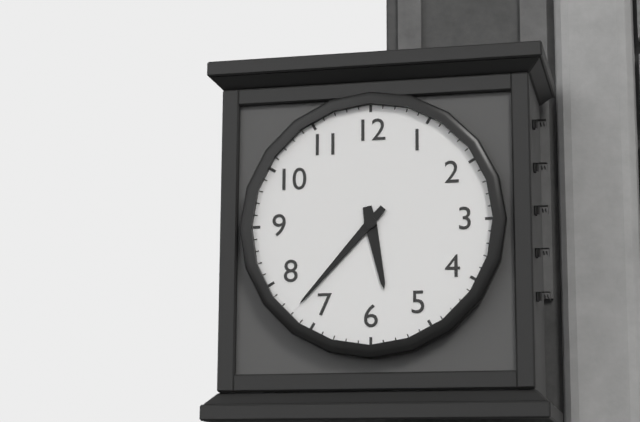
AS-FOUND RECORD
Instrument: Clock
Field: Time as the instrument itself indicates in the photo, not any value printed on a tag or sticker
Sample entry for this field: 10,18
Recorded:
5,37
